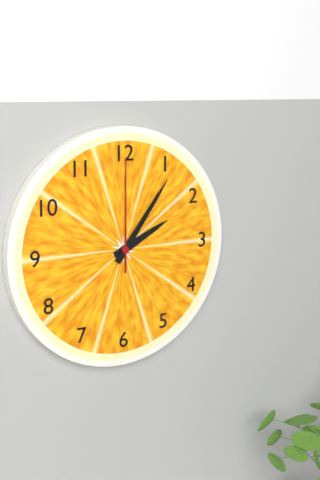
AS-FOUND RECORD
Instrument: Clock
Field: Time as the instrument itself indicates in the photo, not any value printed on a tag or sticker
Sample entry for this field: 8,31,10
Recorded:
2,06,00
